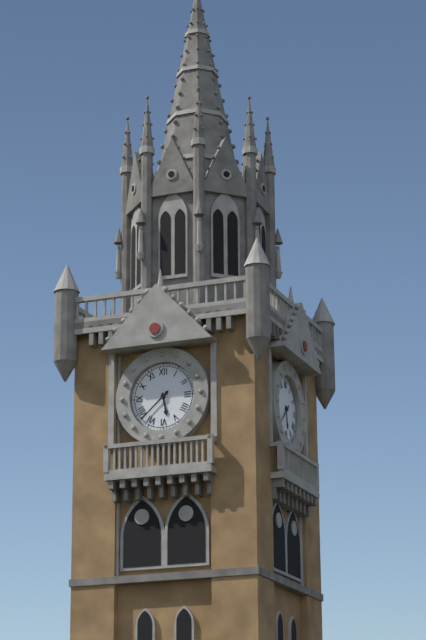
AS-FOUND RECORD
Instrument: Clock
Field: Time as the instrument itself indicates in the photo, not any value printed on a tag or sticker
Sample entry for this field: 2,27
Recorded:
5,38
